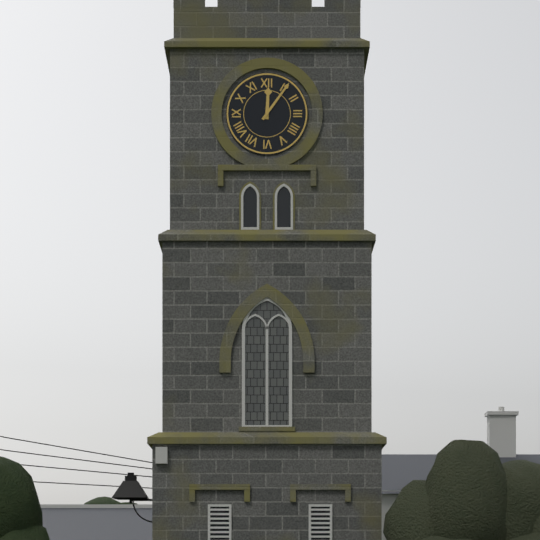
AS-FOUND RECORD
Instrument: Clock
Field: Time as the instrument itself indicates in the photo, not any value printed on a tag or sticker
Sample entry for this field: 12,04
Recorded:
12,06
